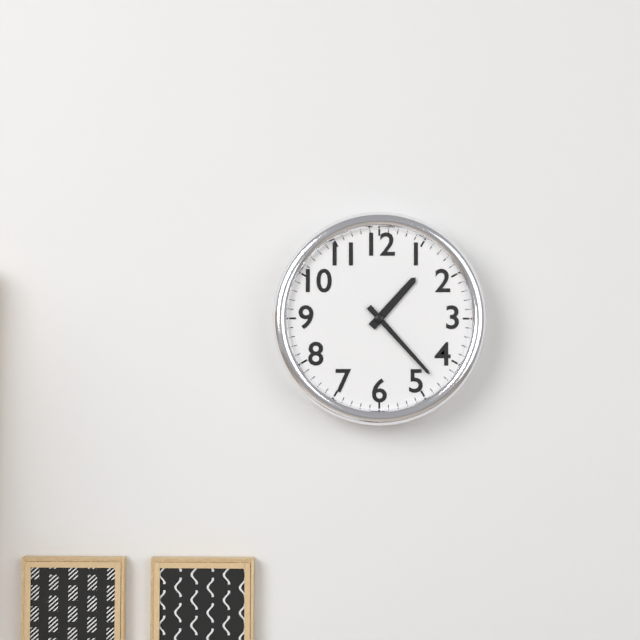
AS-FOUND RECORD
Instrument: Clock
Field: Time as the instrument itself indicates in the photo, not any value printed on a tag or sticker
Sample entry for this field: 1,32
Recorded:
1,23
